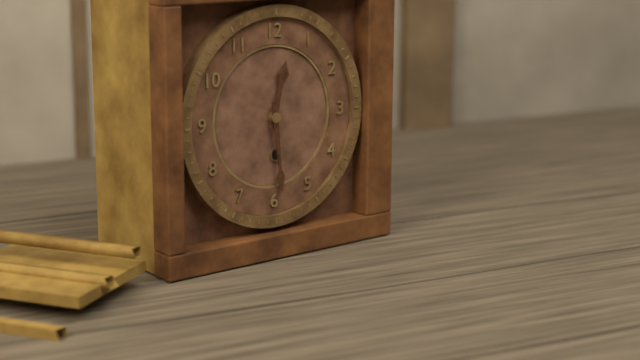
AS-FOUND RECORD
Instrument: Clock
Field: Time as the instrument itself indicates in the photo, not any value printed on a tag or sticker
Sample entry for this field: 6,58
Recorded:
12,29
